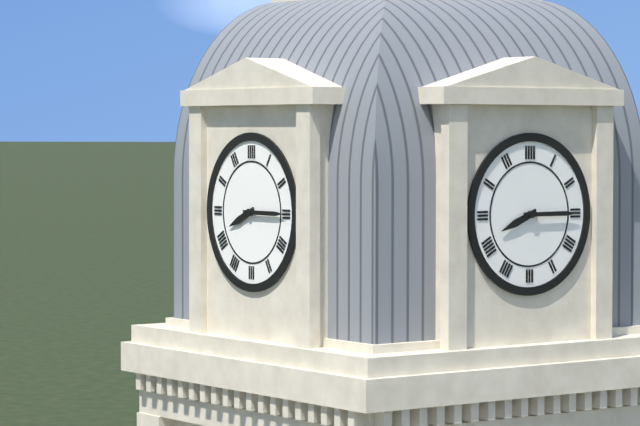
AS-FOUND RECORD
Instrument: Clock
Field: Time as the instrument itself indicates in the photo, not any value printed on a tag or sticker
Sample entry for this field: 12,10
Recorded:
8,15
